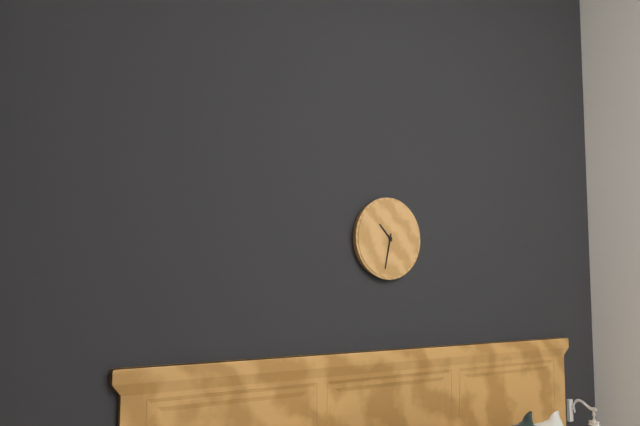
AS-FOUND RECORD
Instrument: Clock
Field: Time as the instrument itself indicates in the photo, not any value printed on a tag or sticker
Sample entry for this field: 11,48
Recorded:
10,32
